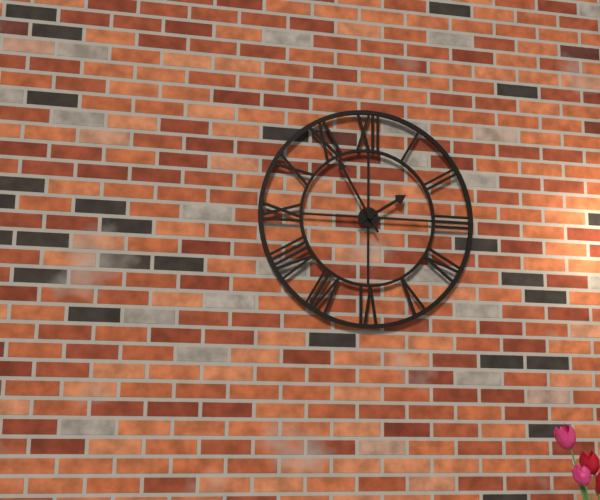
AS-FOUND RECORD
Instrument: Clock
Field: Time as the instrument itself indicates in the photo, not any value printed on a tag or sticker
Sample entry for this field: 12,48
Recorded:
1,55
